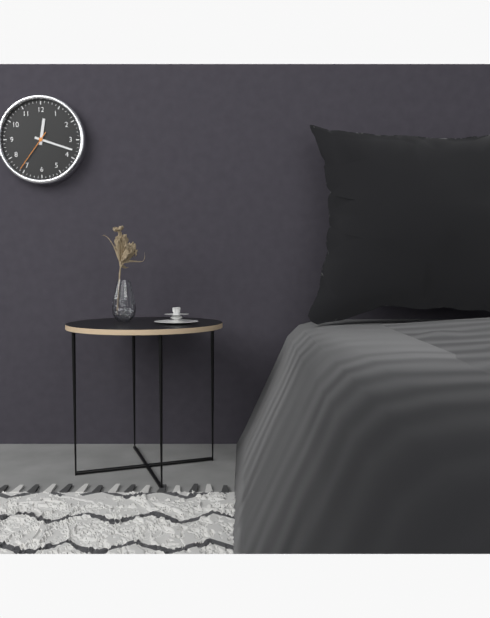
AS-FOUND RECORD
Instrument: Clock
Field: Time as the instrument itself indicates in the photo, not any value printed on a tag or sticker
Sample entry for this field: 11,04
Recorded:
12,18
